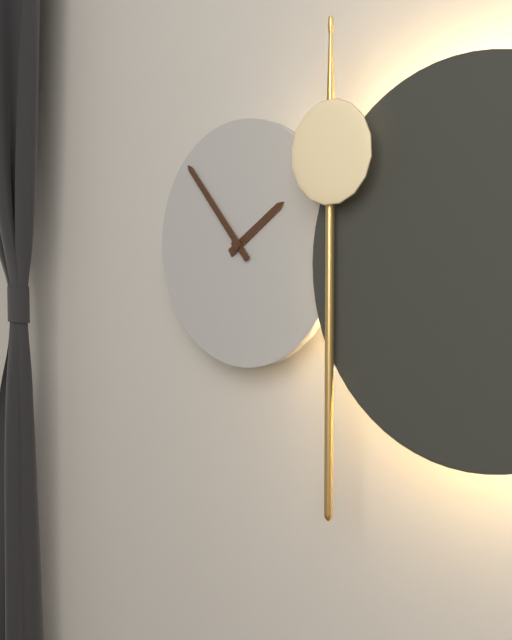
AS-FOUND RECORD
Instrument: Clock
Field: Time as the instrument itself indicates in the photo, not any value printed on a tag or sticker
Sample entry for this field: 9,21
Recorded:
1,53
